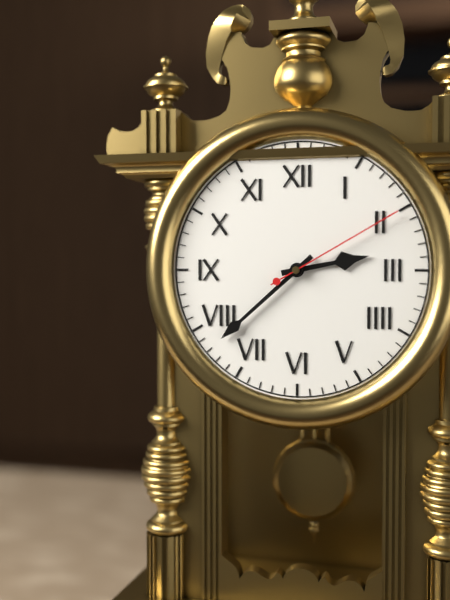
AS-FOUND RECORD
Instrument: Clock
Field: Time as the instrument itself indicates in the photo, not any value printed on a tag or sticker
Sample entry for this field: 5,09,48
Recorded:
2,38,10
